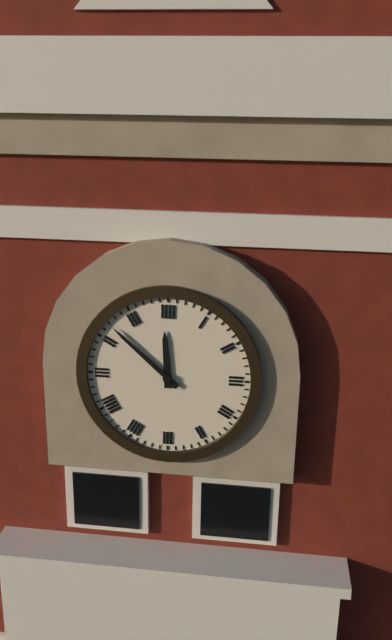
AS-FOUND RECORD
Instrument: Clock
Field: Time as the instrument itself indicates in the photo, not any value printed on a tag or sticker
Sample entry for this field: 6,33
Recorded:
11,52
